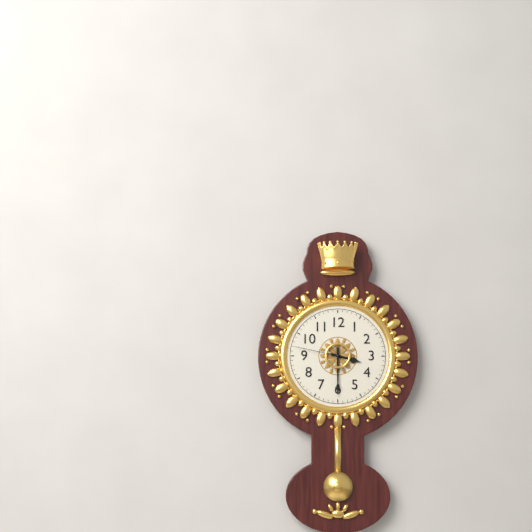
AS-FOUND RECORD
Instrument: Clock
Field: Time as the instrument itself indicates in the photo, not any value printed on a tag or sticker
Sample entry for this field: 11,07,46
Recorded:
3,30,47
